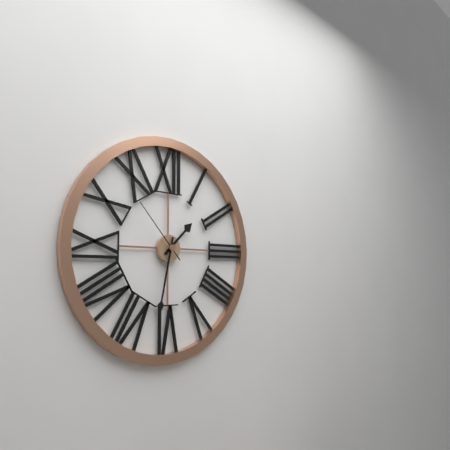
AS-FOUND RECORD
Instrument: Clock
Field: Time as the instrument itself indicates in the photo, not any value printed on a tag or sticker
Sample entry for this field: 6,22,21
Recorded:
1,32,53
